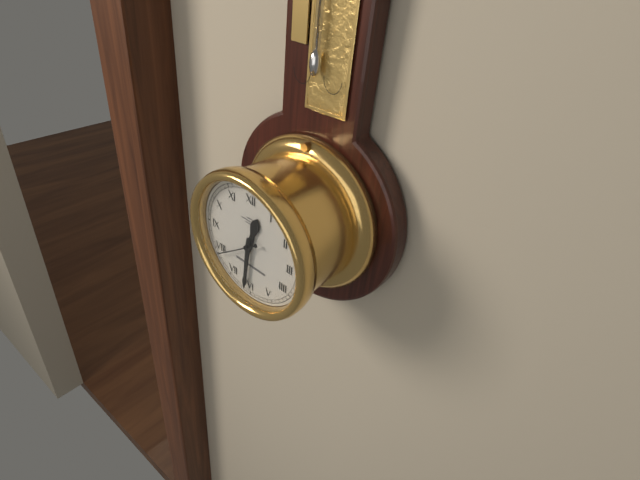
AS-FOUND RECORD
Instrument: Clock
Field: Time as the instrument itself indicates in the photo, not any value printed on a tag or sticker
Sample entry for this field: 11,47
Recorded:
12,31
